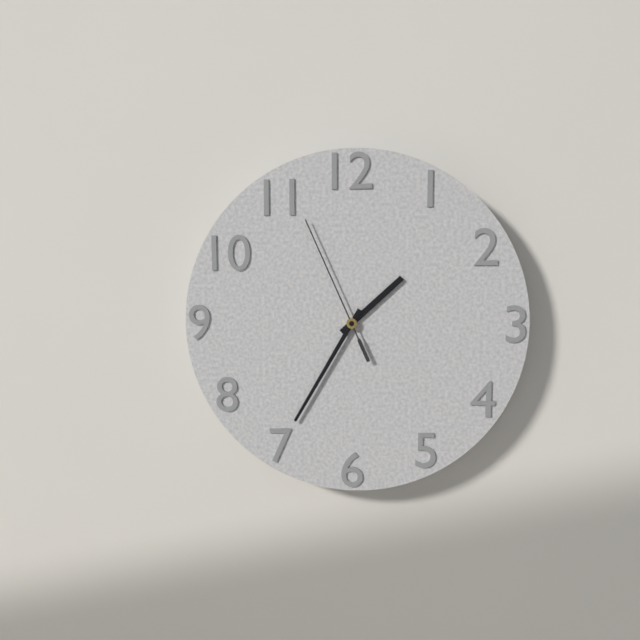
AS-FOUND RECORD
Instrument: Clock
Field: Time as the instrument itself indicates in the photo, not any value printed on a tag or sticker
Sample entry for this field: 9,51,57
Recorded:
1,35,56
